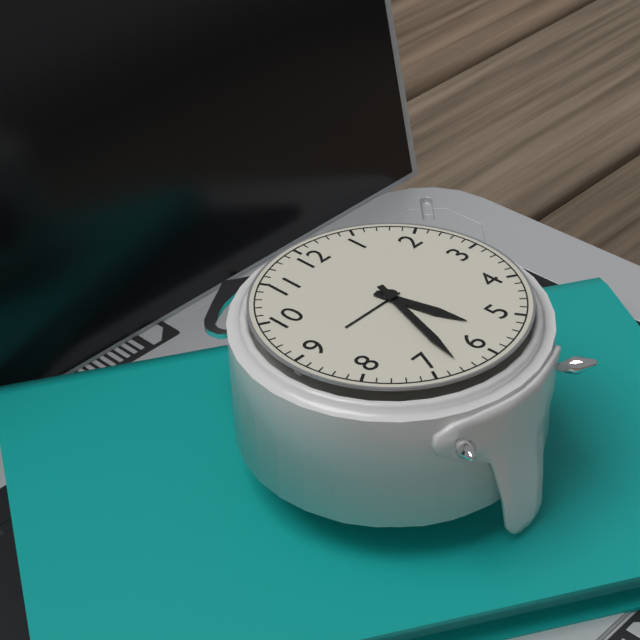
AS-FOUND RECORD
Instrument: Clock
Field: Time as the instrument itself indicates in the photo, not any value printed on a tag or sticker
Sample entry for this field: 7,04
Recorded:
5,33
